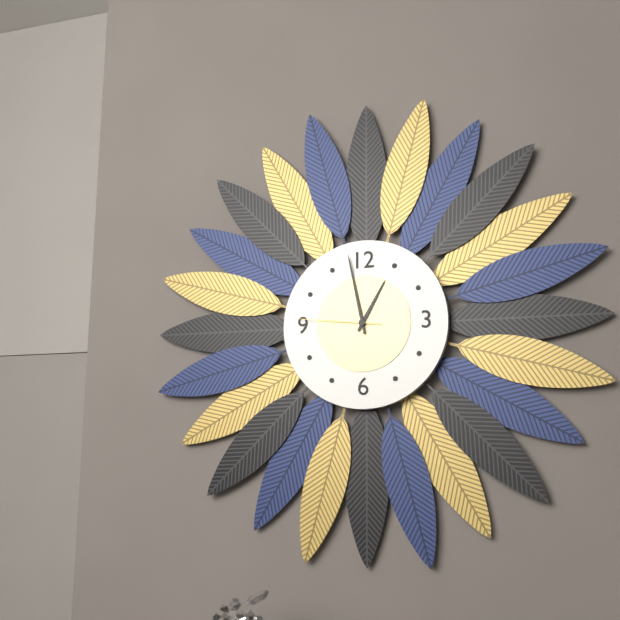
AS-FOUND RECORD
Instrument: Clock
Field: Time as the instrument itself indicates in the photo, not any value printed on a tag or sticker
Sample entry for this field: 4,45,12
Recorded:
12,58,46
